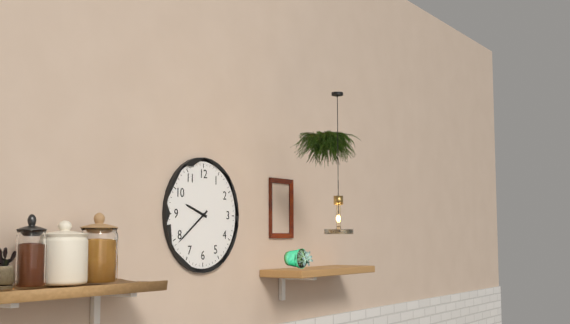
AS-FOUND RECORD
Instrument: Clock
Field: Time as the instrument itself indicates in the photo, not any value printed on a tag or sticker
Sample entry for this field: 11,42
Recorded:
9,39
